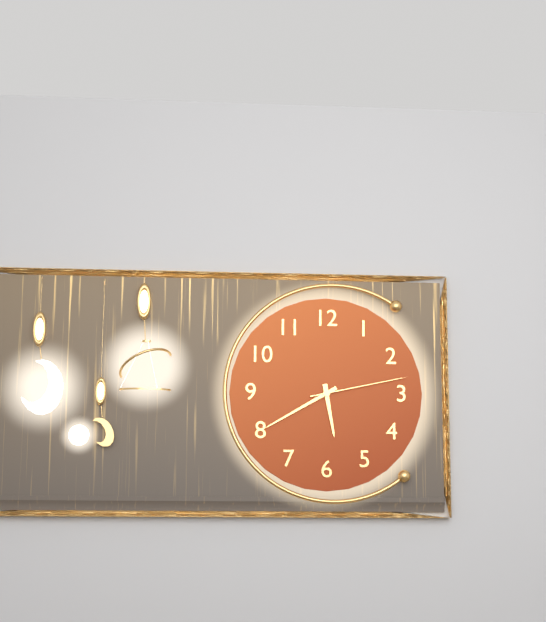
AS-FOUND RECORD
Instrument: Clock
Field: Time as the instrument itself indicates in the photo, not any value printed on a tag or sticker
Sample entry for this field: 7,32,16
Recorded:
5,40,13
